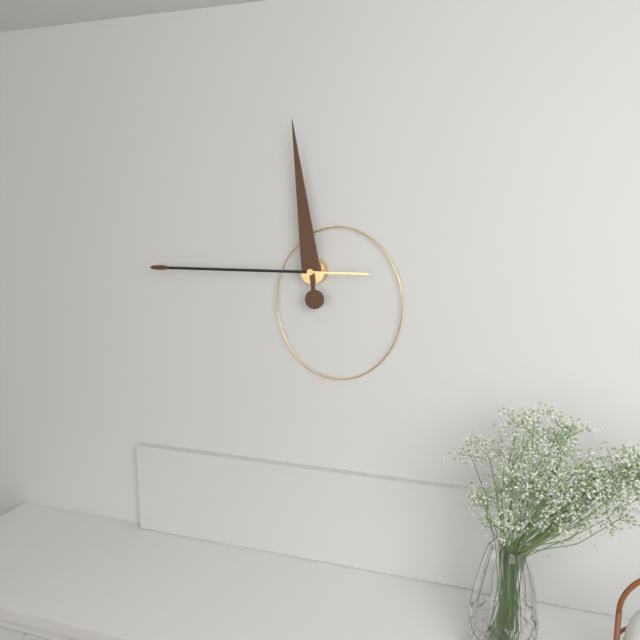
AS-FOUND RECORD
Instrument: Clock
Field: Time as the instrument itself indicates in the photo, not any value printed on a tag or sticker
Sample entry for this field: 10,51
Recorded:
11,45
